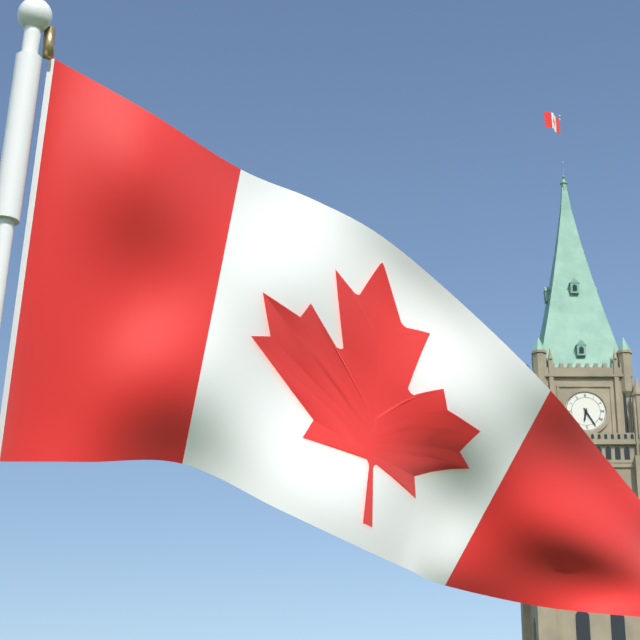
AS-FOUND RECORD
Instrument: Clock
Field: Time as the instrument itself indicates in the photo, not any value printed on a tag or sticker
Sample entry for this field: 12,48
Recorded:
6,25
